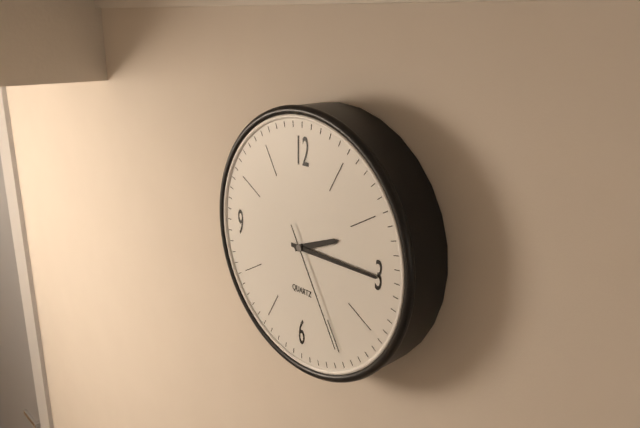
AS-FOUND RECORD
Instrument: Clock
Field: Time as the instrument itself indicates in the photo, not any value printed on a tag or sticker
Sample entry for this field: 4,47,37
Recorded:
2,15,25
